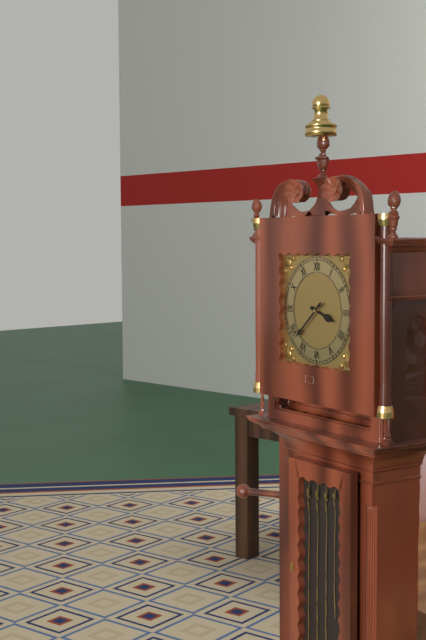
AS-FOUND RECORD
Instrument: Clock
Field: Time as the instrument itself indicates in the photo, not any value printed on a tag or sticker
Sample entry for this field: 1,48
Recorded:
3,38
